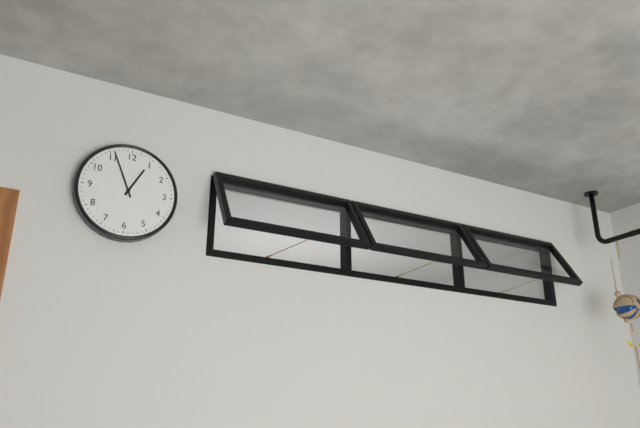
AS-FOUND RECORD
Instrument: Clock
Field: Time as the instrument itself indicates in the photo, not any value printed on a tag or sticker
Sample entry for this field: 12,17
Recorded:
12,56
